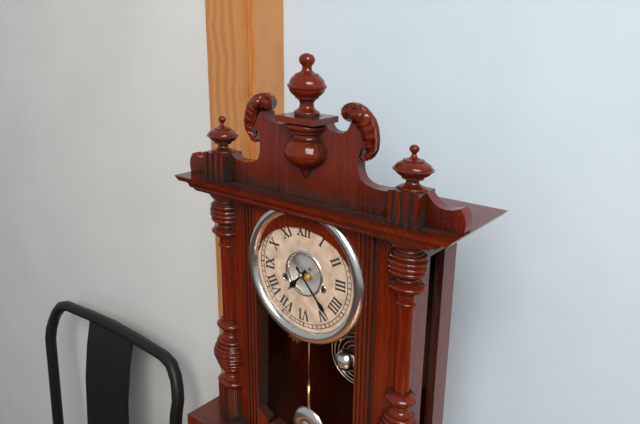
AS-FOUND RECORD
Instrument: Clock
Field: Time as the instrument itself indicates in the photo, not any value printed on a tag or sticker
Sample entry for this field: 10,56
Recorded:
7,23
